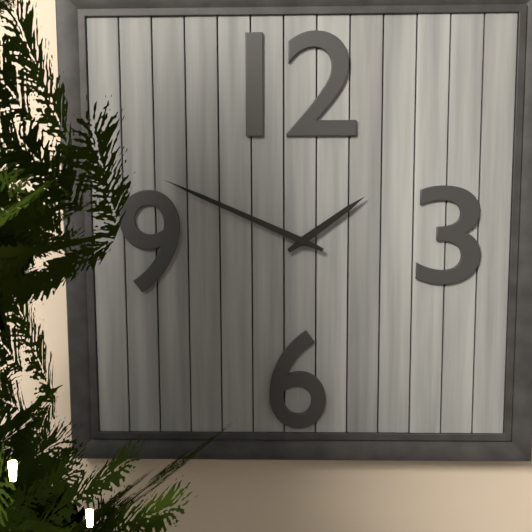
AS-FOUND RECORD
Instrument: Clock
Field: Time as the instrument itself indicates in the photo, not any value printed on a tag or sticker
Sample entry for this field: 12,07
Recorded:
1,49
